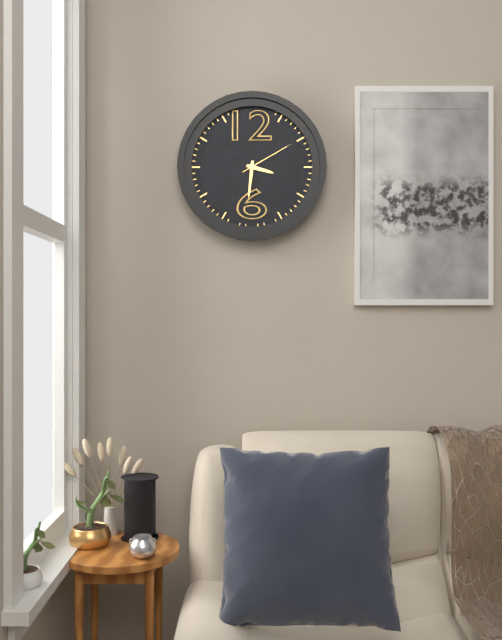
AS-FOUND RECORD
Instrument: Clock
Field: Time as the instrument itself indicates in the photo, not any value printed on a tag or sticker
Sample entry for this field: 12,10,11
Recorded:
3,31,10
